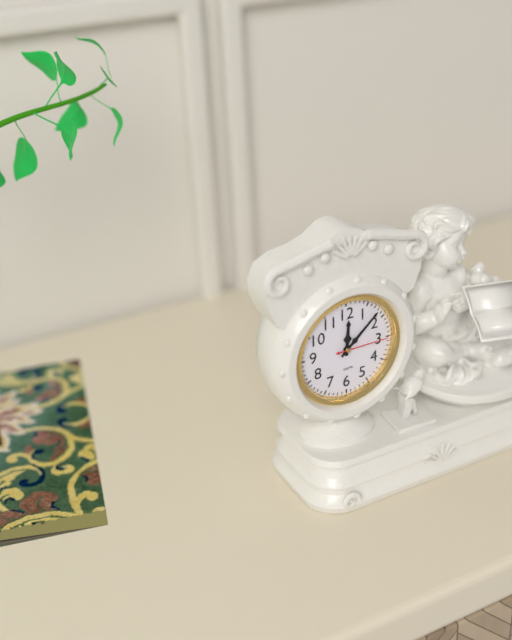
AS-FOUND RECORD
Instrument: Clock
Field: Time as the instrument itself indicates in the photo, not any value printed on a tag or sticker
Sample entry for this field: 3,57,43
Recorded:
12,08,15
